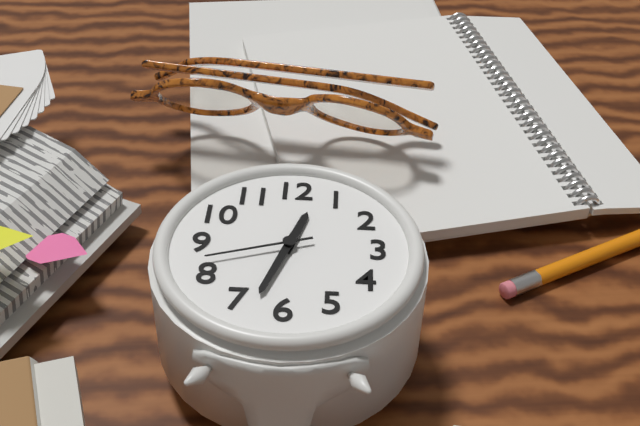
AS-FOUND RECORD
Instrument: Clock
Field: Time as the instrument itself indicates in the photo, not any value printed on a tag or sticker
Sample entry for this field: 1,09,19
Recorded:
12,33,42
